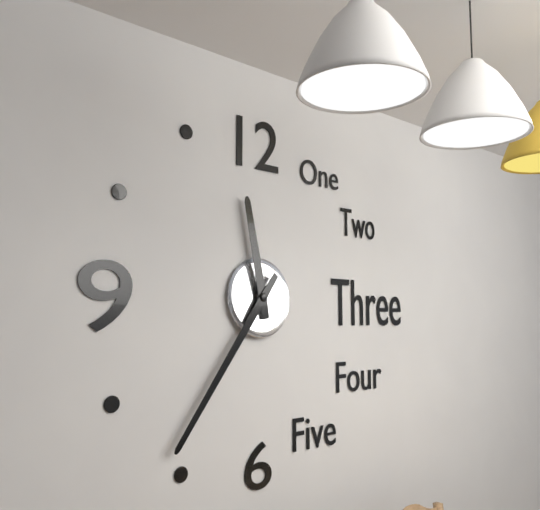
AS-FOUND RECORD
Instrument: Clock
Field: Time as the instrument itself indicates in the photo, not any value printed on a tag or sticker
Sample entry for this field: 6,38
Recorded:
11,36
